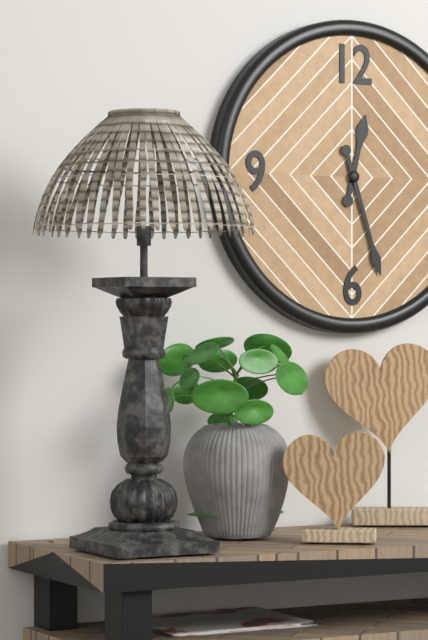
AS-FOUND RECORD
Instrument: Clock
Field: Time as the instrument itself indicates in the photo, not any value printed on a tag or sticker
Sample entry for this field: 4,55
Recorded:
12,27
